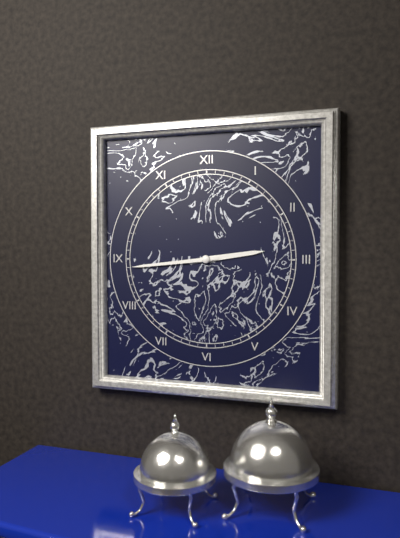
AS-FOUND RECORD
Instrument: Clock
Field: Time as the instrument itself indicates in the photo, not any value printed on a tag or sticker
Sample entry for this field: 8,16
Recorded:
2,44
